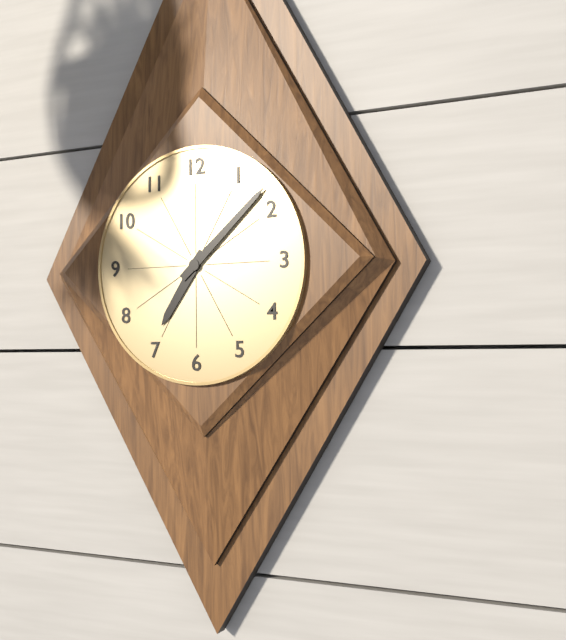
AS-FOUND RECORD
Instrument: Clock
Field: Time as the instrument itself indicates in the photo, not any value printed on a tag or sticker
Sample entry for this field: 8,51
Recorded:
7,08
